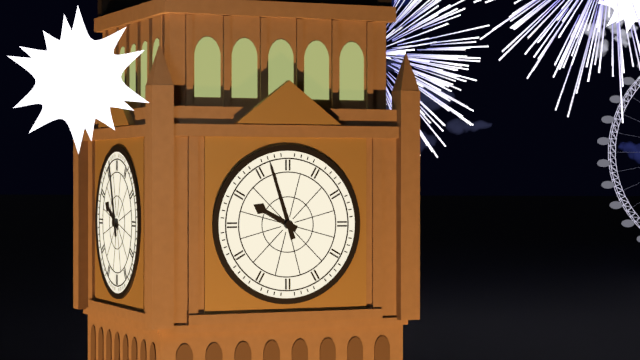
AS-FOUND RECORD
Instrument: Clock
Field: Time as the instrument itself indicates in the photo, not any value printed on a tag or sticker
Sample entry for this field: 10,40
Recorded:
9,57
